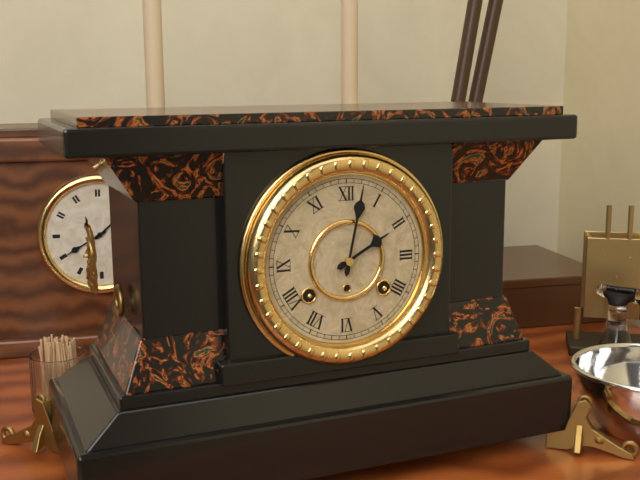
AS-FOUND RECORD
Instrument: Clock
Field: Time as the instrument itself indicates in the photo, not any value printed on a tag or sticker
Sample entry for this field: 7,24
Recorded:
2,02
